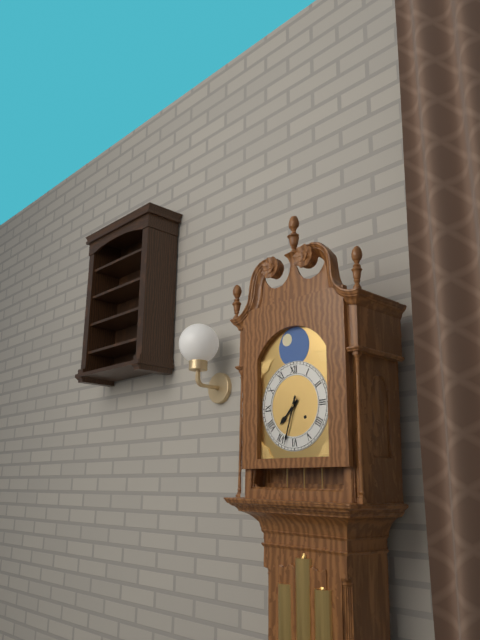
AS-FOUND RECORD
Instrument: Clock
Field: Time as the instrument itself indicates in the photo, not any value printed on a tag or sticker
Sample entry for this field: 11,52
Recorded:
7,33
